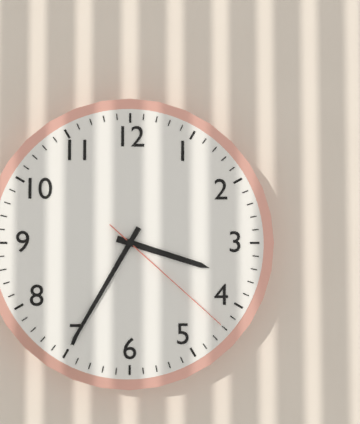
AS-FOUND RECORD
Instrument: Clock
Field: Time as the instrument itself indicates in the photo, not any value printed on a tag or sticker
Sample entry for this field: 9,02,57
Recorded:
3,35,22
